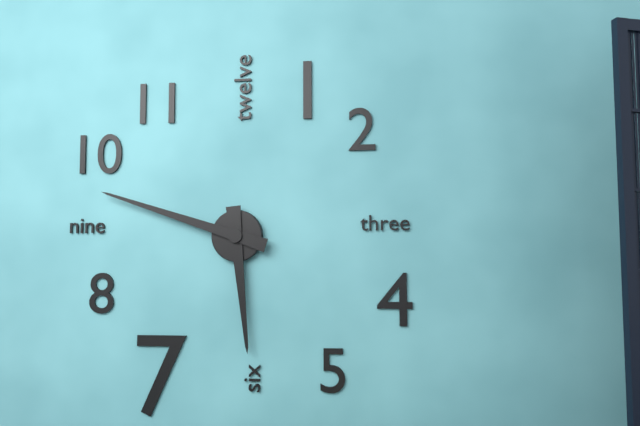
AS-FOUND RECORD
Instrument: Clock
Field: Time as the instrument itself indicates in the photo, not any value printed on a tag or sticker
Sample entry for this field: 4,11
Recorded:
5,48
